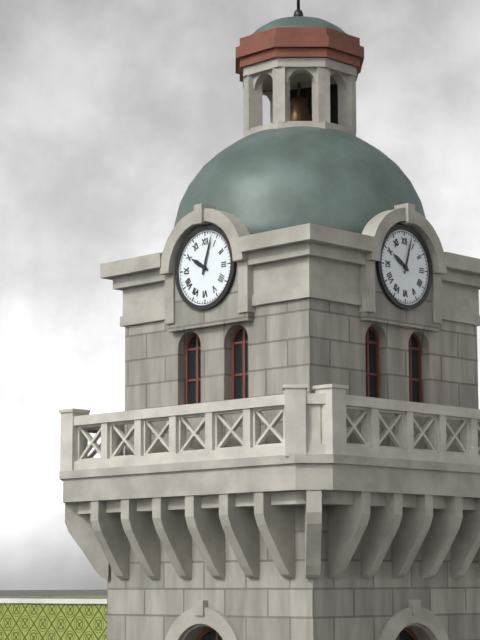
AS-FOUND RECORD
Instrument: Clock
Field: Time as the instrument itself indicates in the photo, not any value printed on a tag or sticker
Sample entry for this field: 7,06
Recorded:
10,03
